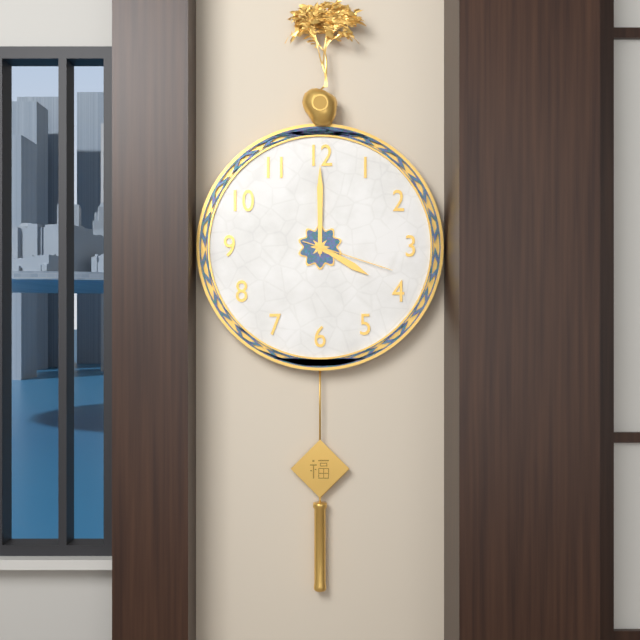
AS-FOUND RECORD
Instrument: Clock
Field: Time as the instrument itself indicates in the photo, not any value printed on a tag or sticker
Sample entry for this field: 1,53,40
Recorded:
4,00,18
